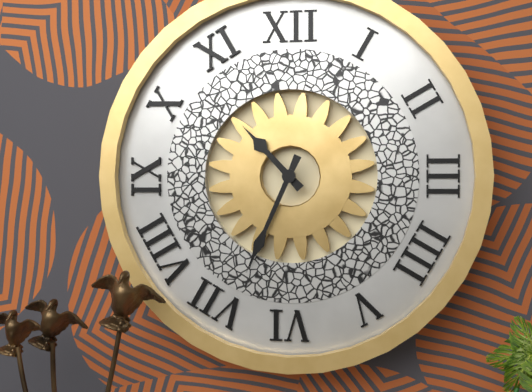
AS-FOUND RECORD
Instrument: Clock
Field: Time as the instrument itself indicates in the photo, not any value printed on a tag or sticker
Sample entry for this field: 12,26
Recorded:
10,34
